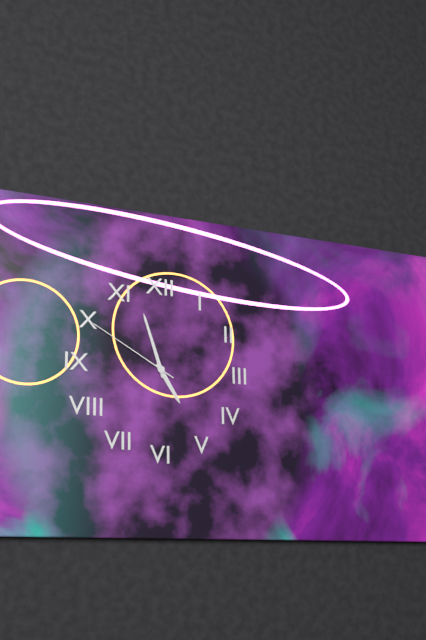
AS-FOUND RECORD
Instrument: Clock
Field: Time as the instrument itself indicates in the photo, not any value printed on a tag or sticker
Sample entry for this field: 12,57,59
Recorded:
4,57,50
